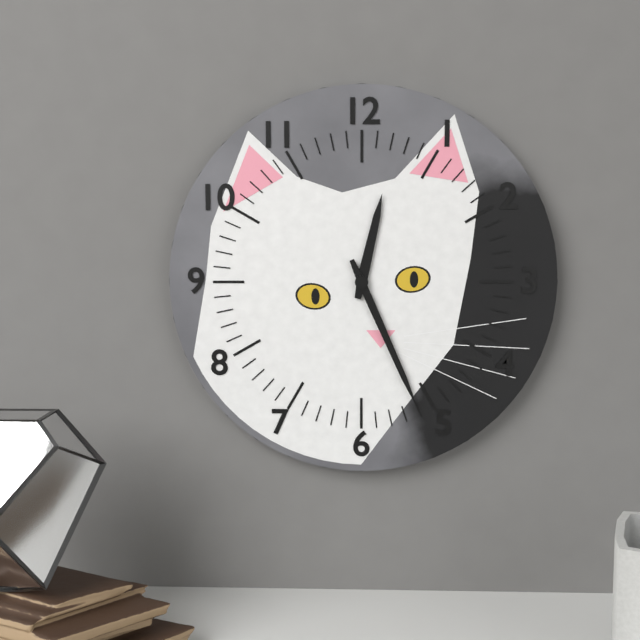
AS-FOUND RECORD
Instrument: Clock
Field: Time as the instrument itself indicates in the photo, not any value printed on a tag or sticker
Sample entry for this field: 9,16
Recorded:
12,26
